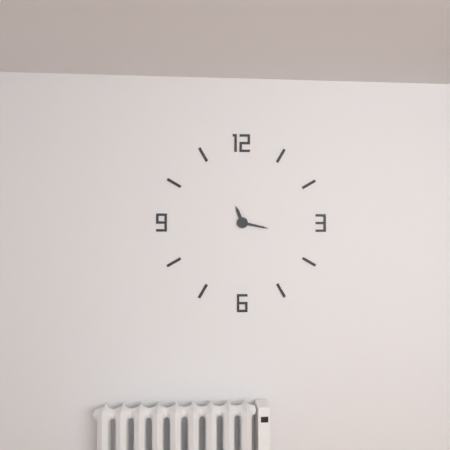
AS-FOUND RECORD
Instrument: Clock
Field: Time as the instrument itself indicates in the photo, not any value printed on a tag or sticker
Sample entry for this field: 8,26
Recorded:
11,17
